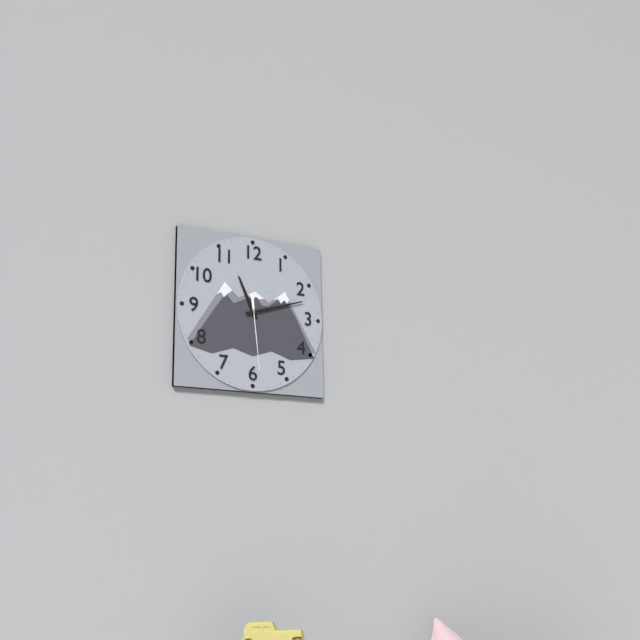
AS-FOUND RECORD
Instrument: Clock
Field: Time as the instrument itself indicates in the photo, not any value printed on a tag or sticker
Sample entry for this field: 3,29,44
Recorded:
11,12,29
